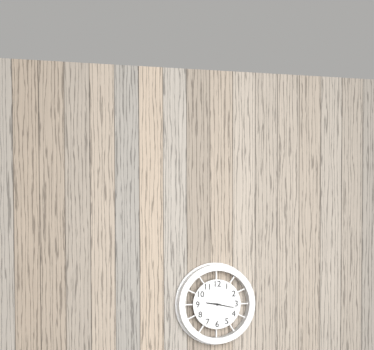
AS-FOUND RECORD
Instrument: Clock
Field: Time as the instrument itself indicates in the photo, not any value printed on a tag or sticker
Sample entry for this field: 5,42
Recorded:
9,17
